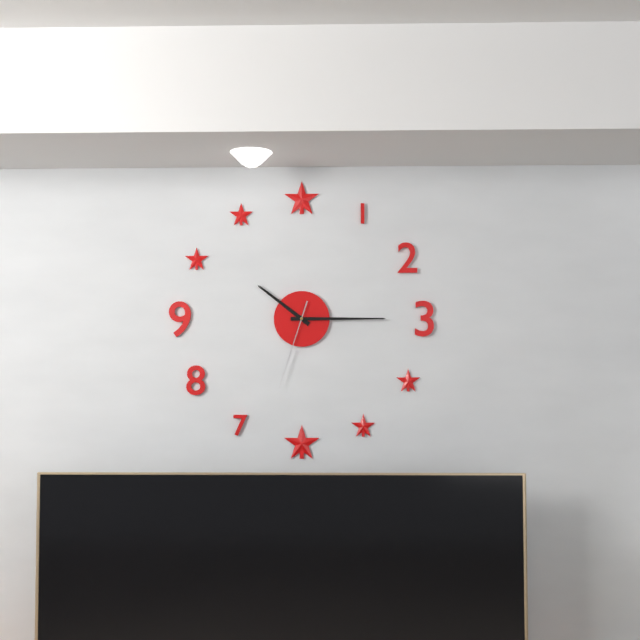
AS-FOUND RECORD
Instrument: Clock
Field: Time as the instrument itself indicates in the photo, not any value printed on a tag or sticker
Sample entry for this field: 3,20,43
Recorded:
10,15,33
